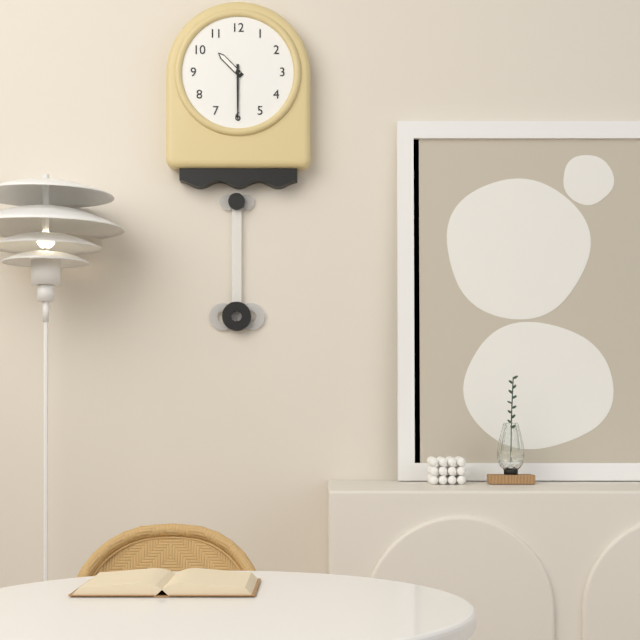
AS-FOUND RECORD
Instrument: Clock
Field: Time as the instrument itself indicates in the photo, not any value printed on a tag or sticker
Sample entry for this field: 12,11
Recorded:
10,30
